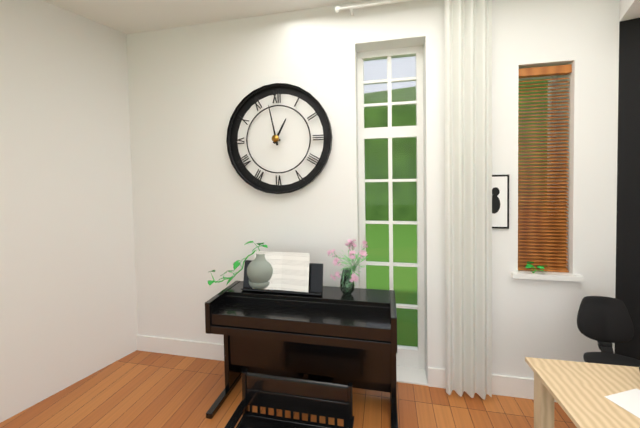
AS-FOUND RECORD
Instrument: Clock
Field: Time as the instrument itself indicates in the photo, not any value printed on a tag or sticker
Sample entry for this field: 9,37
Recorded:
12,58
